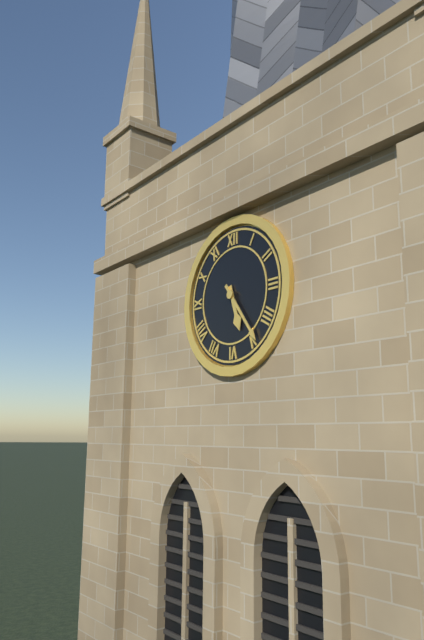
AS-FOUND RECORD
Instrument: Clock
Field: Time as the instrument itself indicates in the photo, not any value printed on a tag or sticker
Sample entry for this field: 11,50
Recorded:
5,24
